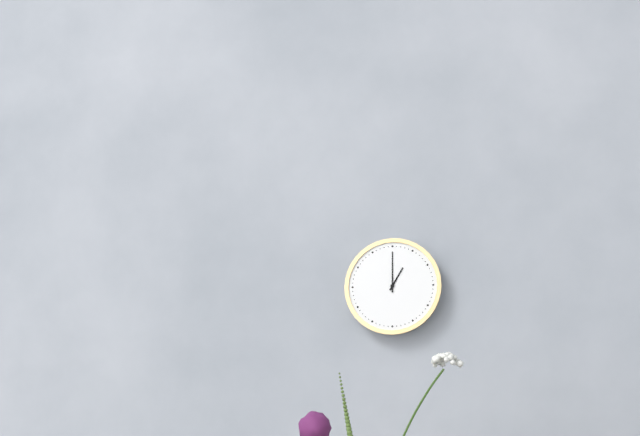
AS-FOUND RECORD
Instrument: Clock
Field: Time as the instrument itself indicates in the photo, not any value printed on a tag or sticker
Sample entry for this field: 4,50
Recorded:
1,00
